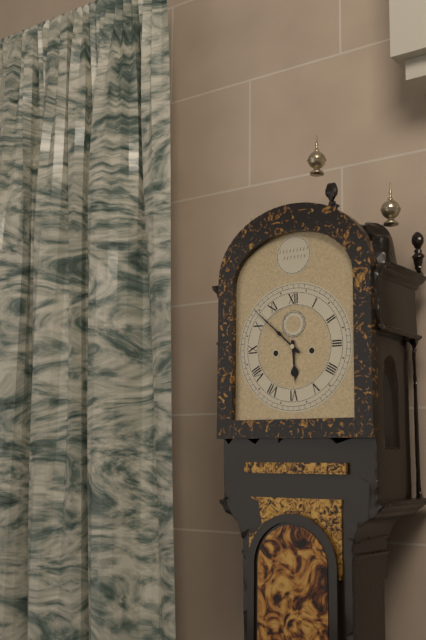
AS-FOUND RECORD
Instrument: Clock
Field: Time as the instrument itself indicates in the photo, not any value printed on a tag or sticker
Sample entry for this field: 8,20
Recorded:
5,52
